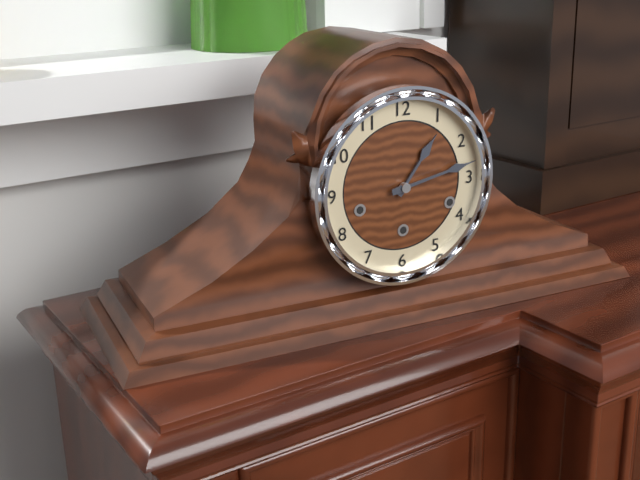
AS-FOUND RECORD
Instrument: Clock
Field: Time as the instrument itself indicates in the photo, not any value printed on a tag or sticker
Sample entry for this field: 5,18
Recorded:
1,13
